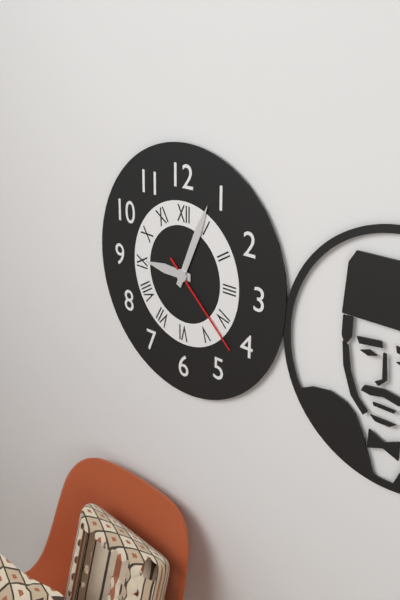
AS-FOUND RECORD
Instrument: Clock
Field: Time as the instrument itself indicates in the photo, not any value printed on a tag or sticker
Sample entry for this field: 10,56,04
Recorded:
9,04,22
